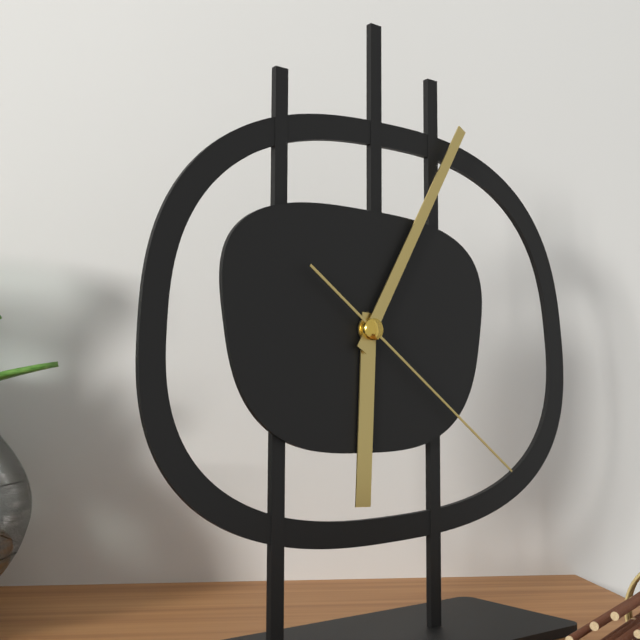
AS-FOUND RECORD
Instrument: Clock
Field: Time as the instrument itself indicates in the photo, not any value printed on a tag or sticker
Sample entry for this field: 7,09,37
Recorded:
6,05,21
